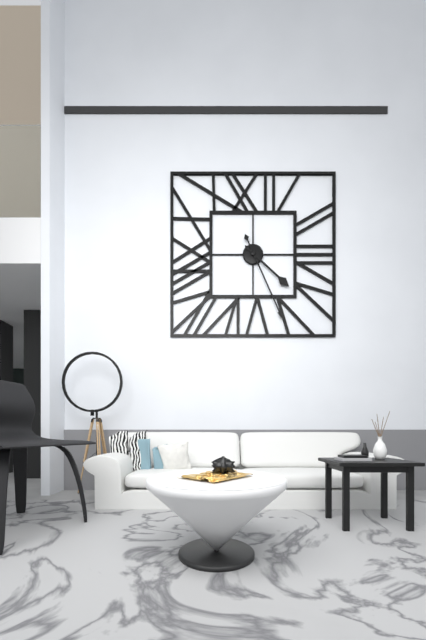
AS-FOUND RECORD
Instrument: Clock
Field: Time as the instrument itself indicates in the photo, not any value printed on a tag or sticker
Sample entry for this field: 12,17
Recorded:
4,26
